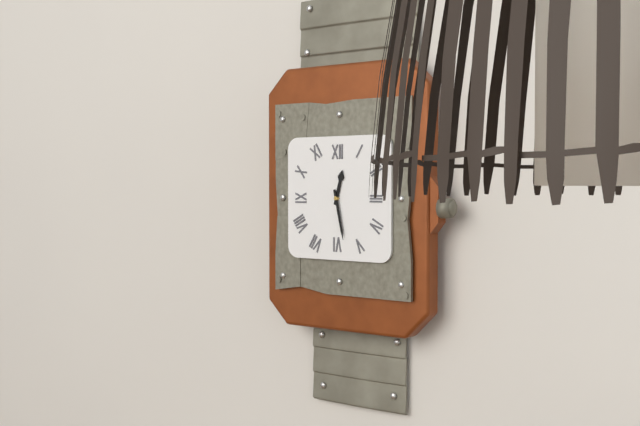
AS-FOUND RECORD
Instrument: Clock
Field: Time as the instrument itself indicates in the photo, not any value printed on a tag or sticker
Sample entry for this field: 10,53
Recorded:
12,28
